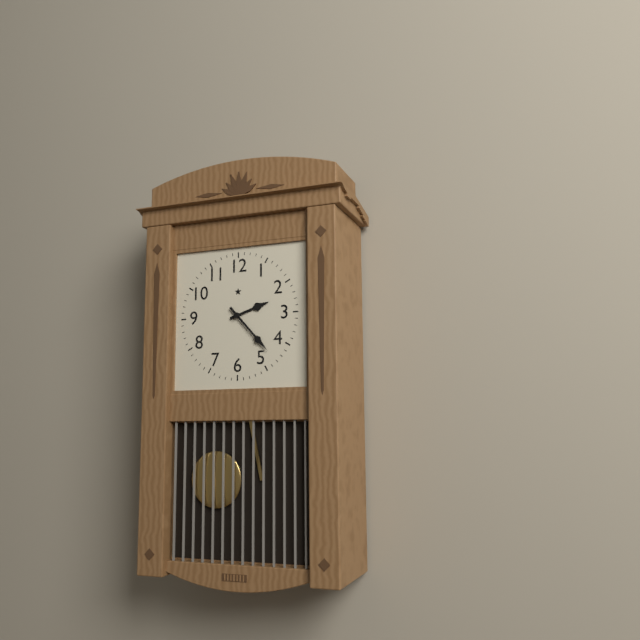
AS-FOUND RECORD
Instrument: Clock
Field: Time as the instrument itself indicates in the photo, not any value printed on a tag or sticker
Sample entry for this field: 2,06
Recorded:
2,23
